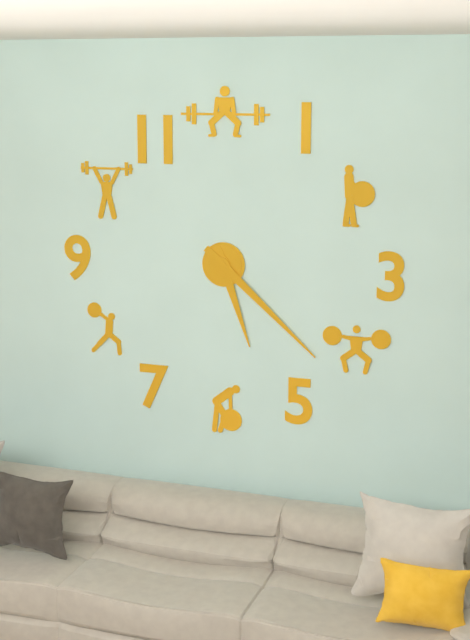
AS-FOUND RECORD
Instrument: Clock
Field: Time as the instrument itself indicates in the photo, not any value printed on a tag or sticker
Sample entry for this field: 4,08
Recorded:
5,22
